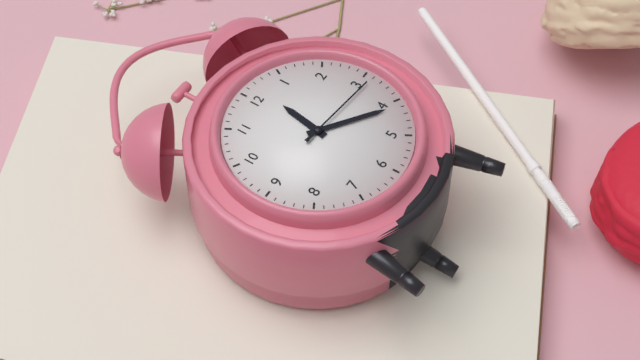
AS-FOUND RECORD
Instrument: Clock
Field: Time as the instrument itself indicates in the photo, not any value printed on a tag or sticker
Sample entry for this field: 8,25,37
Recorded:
12,21,16
